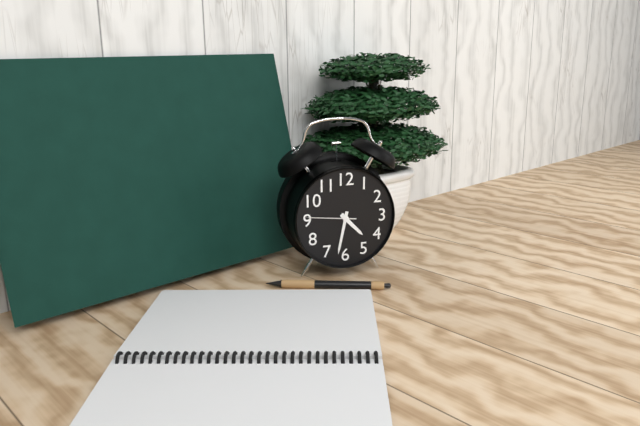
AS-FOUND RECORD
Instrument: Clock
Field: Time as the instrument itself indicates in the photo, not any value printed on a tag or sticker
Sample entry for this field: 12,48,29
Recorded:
4,32,46
